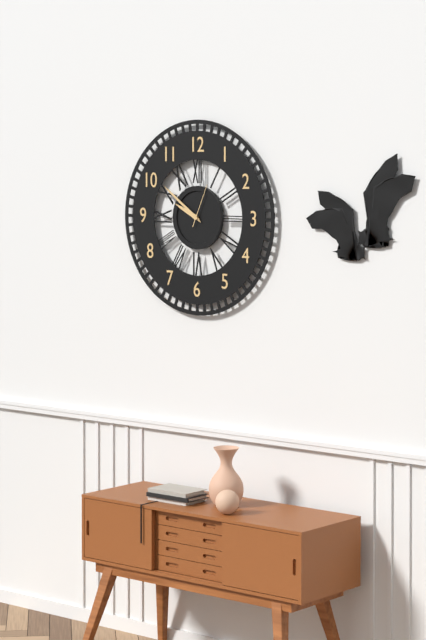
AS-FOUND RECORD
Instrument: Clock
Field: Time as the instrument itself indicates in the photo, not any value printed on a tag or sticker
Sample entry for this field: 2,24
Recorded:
9,51
